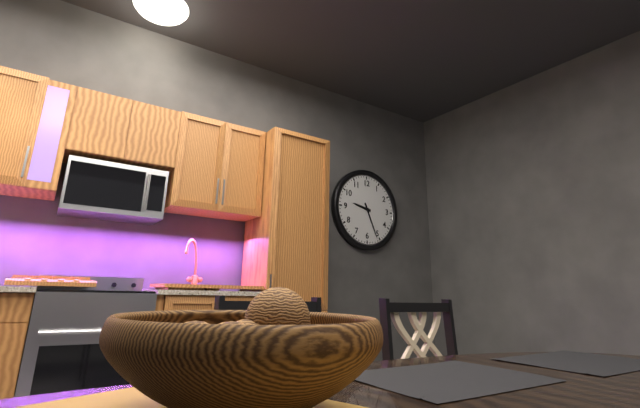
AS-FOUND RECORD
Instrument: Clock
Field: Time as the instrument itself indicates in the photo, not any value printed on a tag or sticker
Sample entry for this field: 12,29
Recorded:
9,26
